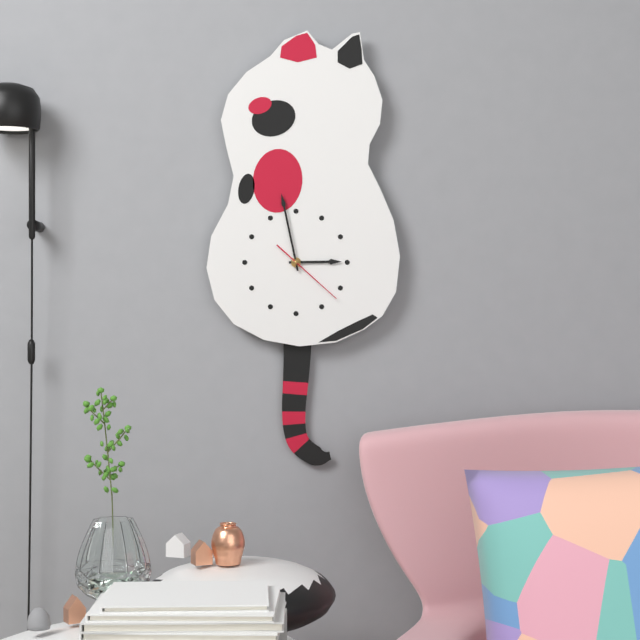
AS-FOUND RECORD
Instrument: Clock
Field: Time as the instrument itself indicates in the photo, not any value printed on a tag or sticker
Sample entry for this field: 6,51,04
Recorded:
2,58,22
